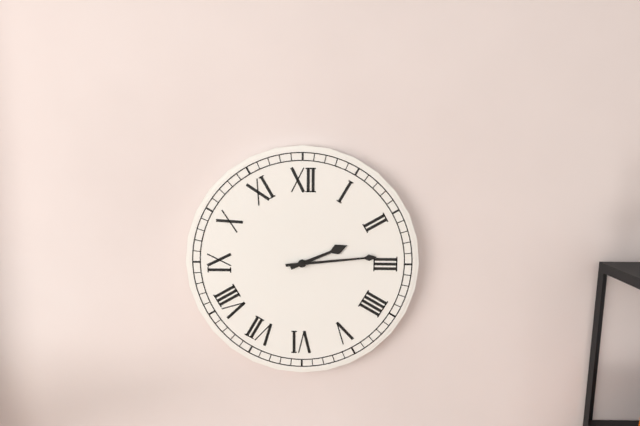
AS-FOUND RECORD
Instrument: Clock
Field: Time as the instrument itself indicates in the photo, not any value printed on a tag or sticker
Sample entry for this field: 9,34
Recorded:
2,14
